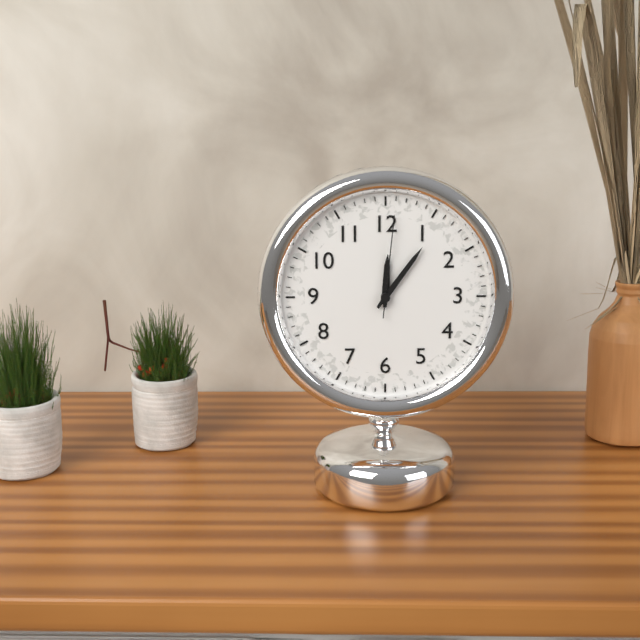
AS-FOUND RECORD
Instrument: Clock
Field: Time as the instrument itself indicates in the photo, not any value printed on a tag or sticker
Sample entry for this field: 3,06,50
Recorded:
12,06,01
